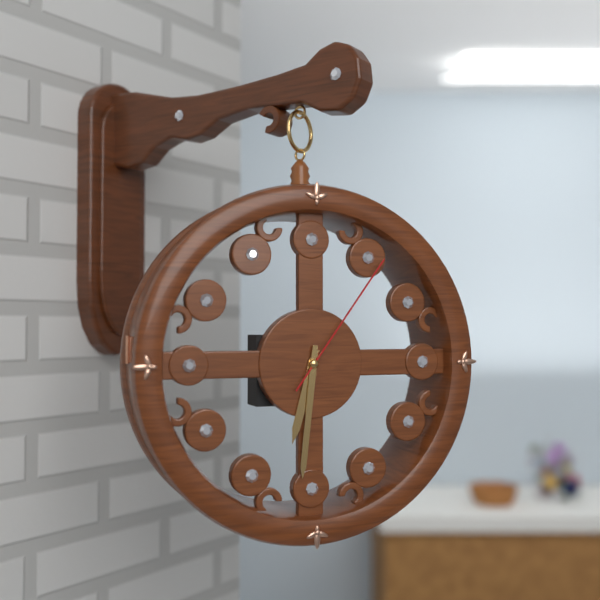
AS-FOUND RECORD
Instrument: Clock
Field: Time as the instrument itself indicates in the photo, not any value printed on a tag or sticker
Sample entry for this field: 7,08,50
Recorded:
6,31,06
